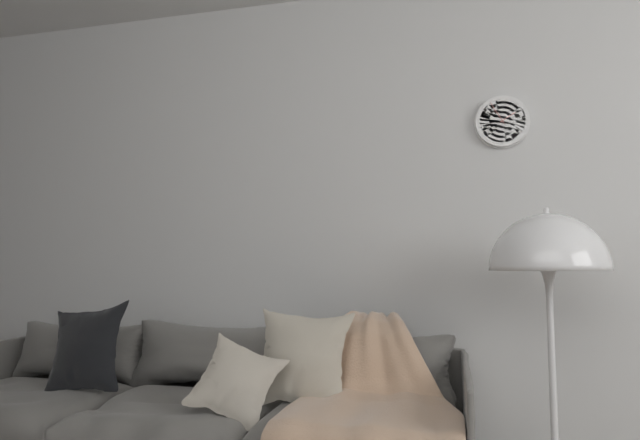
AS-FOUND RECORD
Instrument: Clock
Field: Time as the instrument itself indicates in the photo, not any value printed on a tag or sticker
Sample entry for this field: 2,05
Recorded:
1,55
